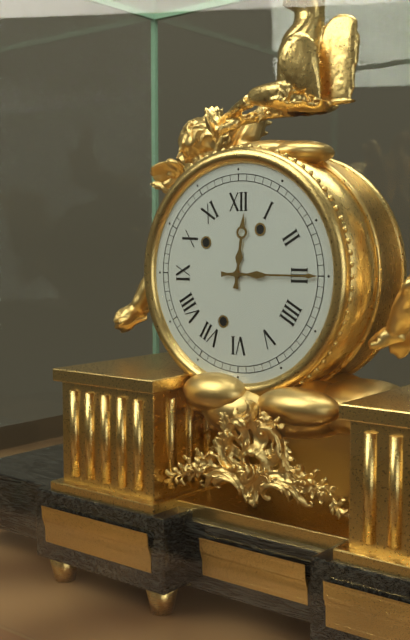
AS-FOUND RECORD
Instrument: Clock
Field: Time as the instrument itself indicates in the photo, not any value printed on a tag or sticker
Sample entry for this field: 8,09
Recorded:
12,15
